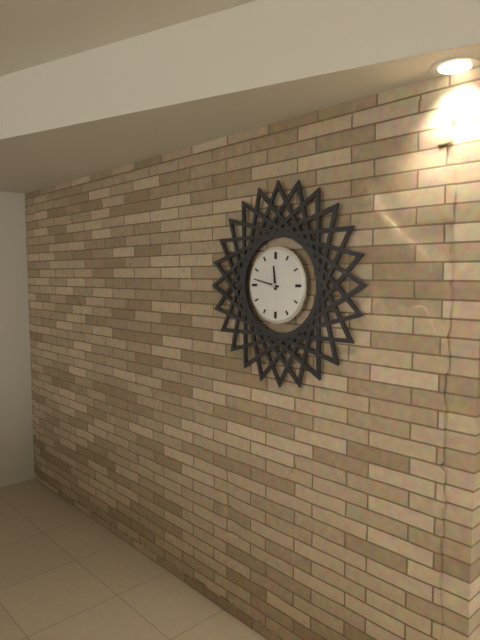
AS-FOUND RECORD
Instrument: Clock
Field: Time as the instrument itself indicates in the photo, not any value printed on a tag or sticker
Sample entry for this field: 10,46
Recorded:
11,47
